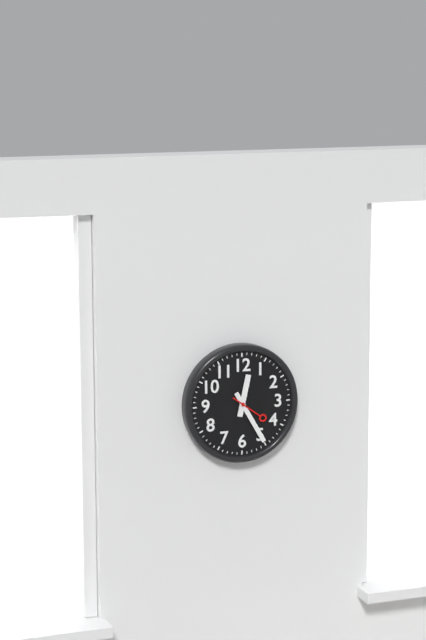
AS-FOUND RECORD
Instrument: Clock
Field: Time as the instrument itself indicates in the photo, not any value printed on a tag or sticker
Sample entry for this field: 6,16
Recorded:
12,25
